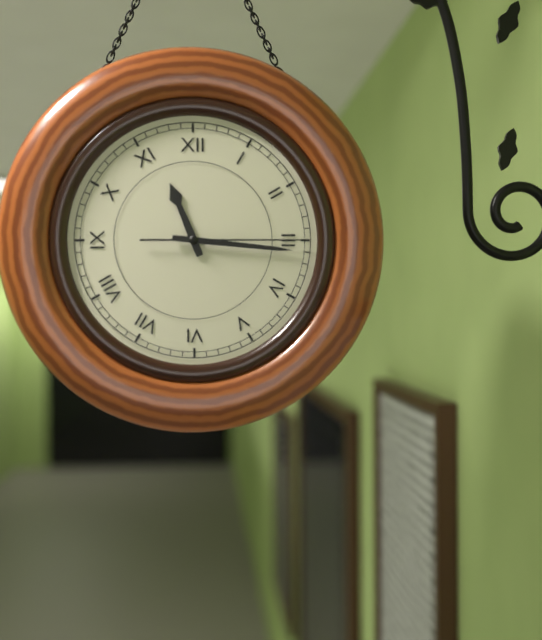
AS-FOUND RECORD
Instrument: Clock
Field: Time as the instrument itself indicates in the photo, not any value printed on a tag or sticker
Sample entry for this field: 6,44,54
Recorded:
11,16,15
